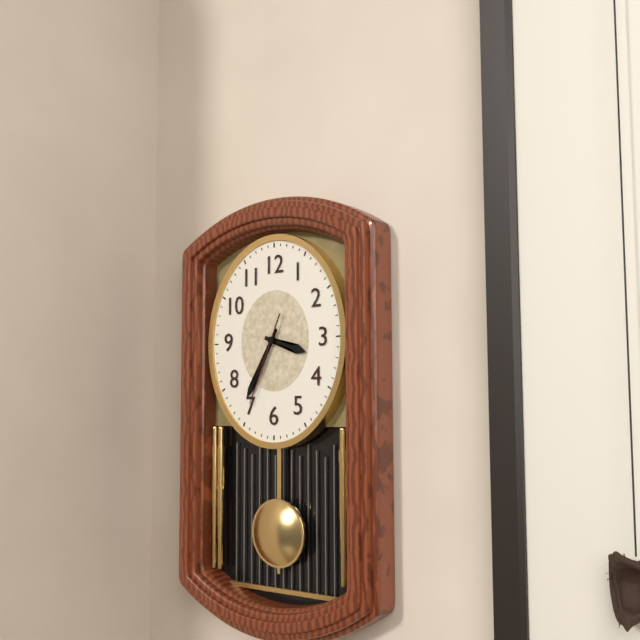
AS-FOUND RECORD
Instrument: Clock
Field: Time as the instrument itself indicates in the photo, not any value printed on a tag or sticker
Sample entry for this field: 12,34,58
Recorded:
3,35,34
